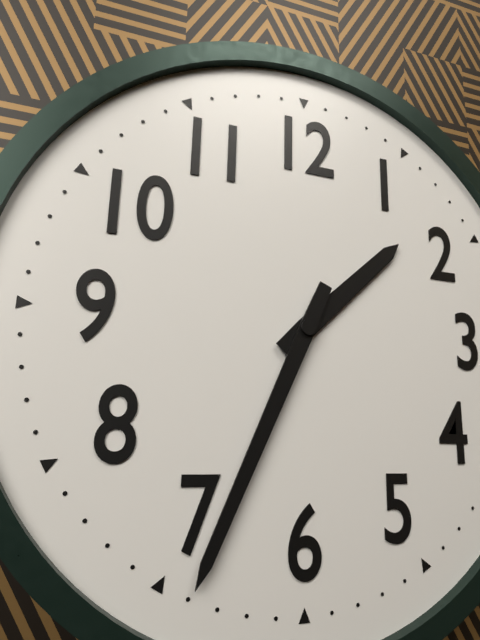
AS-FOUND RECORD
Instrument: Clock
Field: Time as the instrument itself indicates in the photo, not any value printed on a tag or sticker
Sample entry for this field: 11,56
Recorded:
1,34
